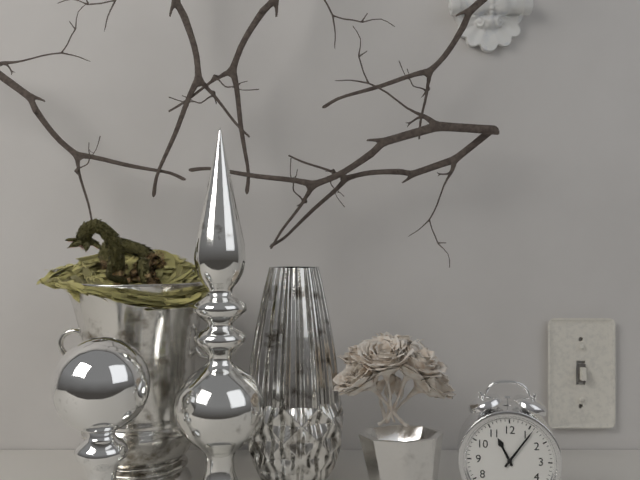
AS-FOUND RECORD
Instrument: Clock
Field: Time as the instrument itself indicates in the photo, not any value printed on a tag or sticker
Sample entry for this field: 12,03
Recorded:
11,06
